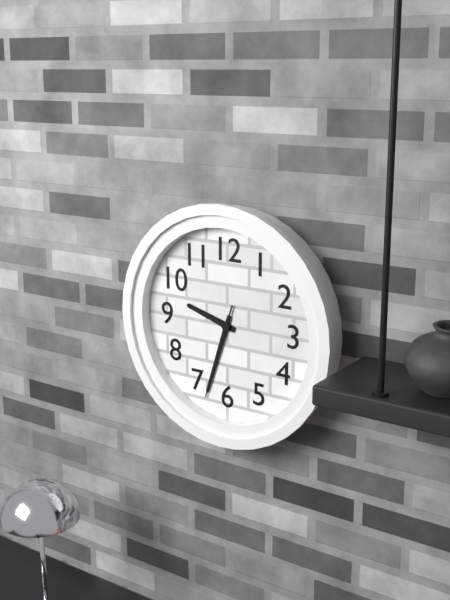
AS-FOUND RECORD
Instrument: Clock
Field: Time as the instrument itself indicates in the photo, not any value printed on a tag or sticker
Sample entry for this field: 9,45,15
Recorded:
9,33,33
